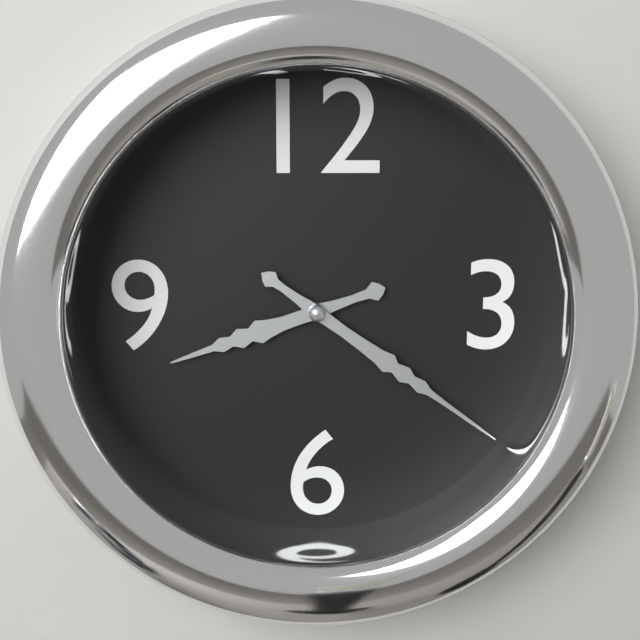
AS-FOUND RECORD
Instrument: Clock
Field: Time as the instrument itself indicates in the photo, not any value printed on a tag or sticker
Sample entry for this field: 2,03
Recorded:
8,21
